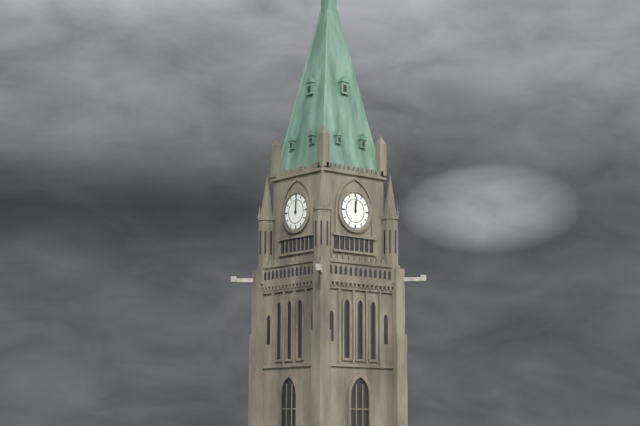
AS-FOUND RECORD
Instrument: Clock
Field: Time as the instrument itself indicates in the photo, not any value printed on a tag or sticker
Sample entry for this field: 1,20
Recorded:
12,01
